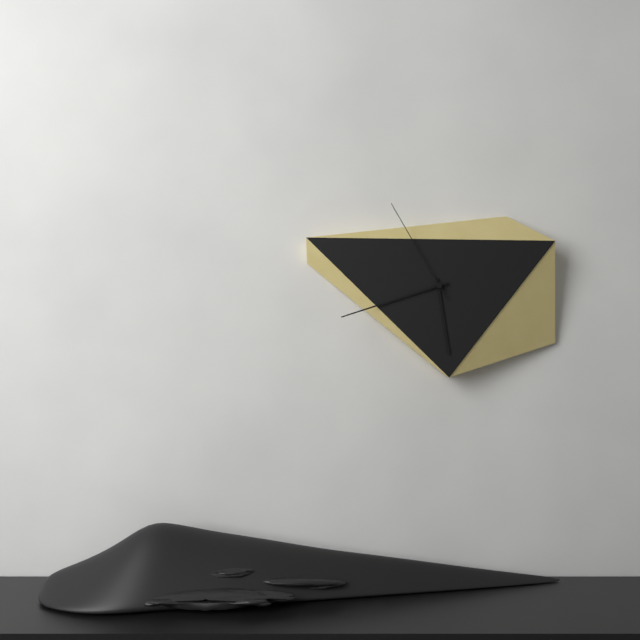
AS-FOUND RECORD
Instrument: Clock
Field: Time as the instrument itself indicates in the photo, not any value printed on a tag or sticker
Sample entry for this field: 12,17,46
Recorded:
5,42,55
